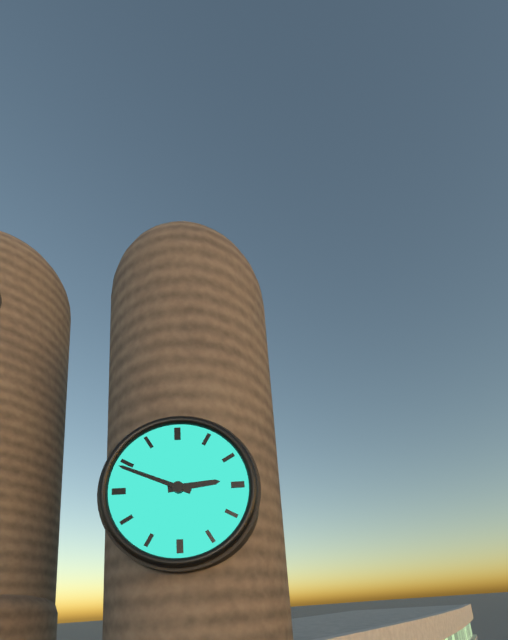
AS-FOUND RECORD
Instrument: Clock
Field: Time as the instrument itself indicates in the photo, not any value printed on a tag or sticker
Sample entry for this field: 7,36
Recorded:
2,49
